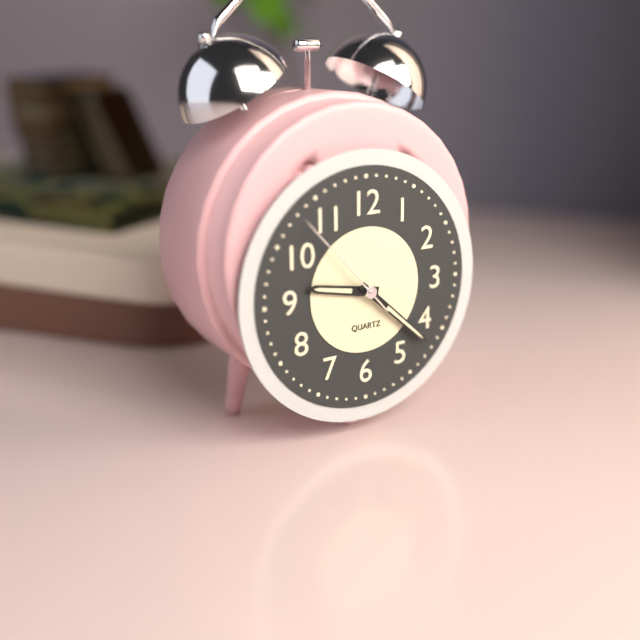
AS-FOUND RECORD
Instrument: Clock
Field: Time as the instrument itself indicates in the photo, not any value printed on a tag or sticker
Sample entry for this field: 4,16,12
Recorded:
9,22,53
